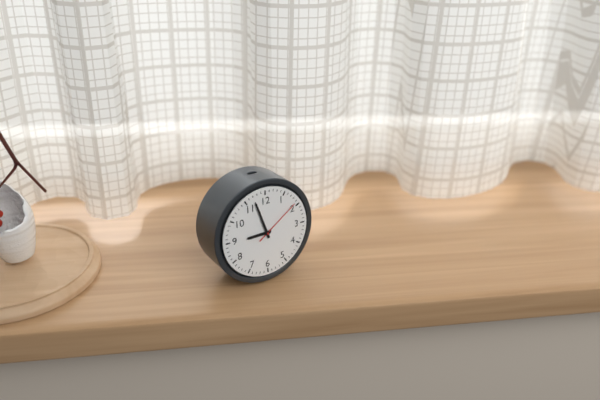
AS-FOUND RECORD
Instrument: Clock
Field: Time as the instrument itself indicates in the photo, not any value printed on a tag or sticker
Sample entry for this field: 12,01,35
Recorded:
8,57,09
